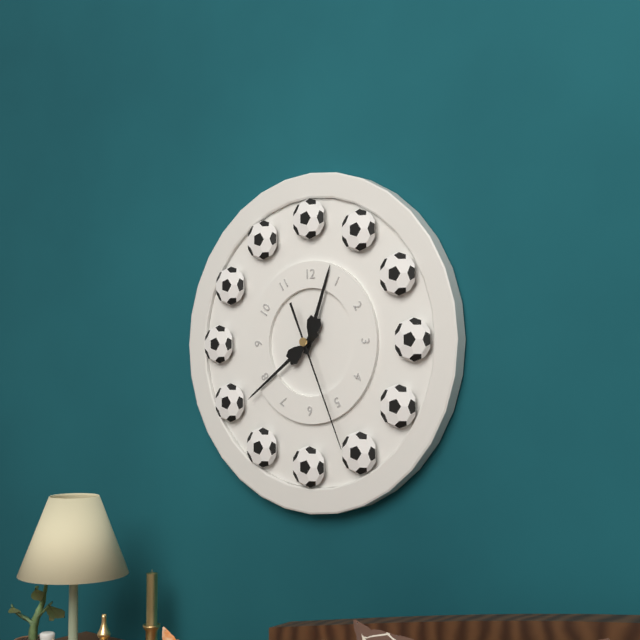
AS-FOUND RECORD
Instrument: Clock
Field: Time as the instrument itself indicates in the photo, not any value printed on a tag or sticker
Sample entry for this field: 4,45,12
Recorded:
12,39,26
